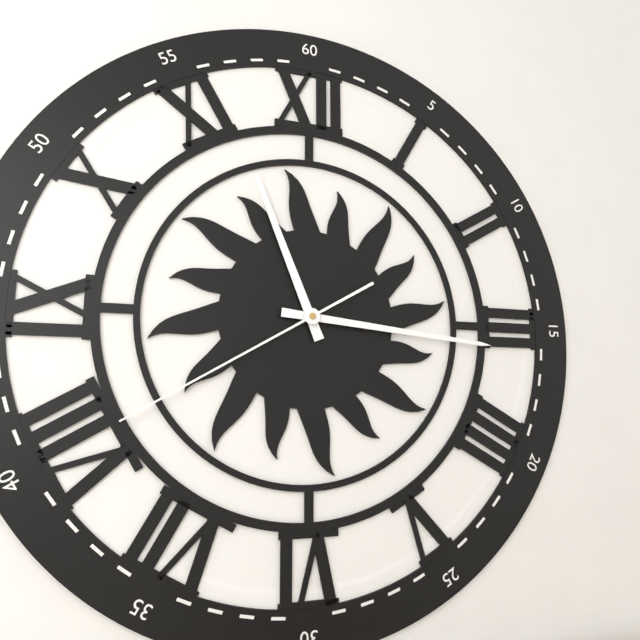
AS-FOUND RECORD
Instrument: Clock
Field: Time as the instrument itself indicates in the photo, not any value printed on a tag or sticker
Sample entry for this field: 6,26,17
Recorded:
11,16,40
